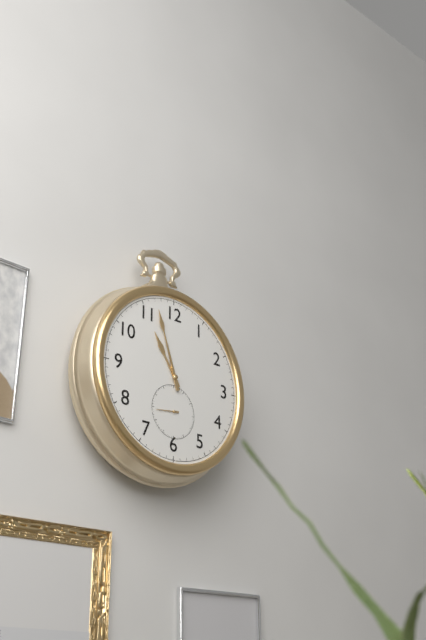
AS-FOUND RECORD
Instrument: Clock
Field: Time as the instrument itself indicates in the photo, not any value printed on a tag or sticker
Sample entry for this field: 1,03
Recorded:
10,57
